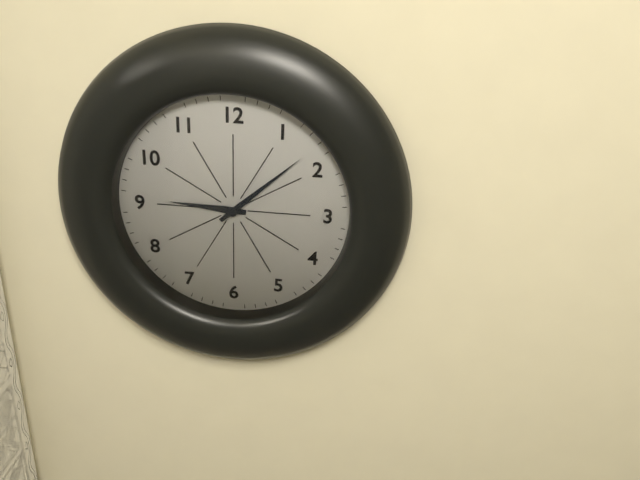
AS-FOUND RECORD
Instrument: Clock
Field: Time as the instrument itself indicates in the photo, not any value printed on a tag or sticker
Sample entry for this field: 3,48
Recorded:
9,08
